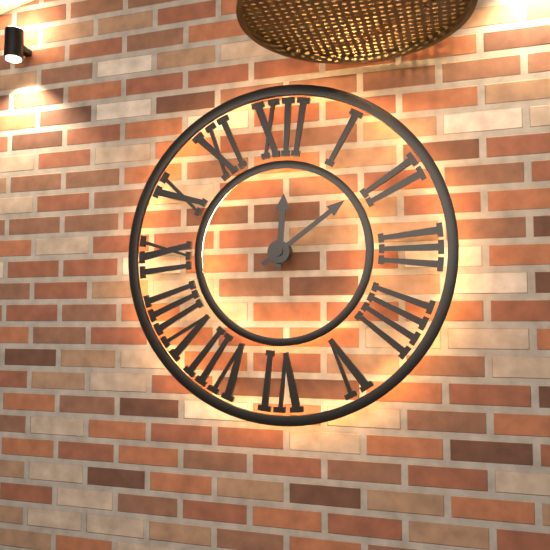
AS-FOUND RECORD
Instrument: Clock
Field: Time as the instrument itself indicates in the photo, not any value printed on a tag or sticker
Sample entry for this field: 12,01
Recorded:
12,09
